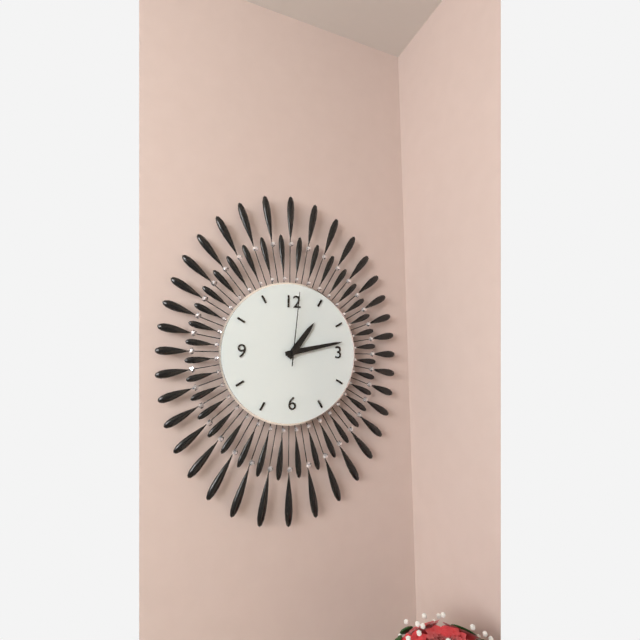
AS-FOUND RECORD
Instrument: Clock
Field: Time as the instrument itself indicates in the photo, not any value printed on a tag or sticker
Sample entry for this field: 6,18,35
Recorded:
1,13,01
